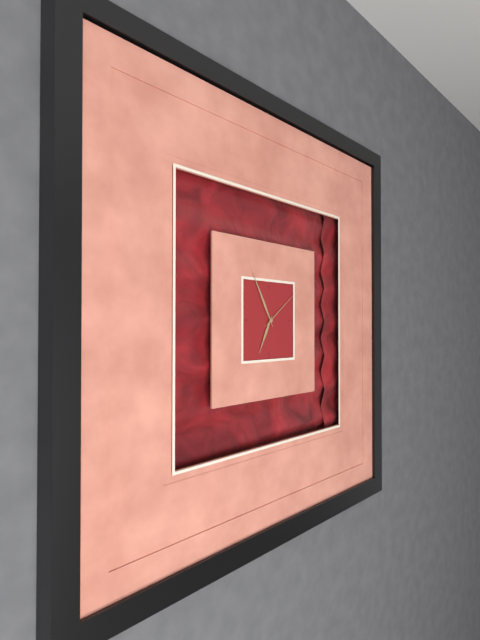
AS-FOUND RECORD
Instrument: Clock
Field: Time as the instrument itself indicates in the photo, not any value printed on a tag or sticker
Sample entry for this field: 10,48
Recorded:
6,55
